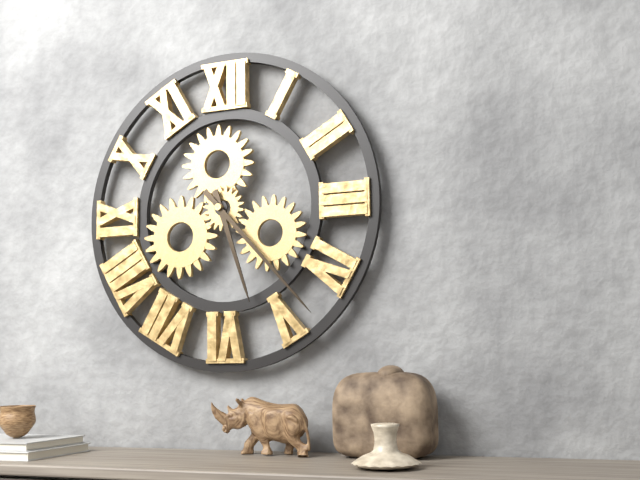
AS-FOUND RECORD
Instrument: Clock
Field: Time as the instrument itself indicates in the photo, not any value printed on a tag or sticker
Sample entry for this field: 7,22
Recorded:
5,23
